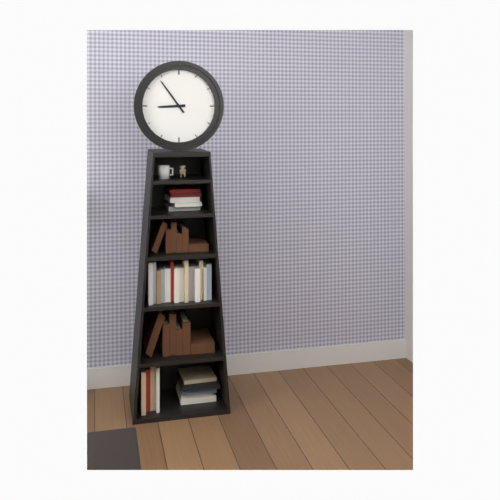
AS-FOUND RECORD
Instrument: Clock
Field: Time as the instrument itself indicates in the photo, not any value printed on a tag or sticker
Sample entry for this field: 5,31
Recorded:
8,54
